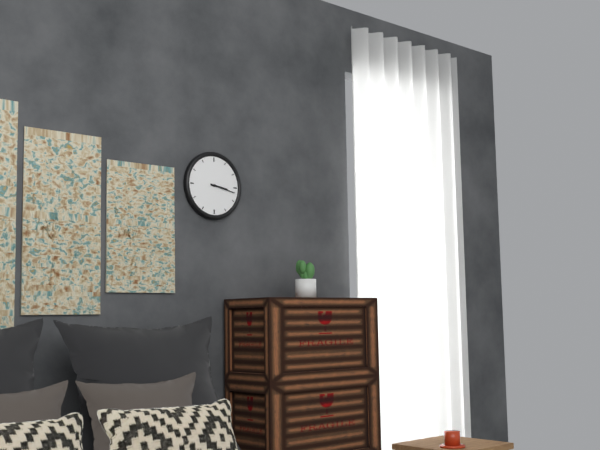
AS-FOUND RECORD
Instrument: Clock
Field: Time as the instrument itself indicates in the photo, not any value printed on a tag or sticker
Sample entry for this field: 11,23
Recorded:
3,17
